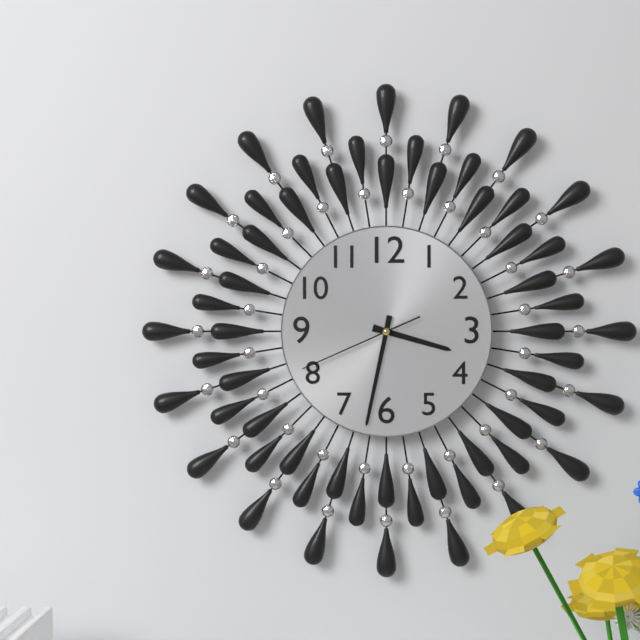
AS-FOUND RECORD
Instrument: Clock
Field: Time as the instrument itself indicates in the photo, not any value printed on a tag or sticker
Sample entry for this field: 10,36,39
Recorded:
3,32,41
